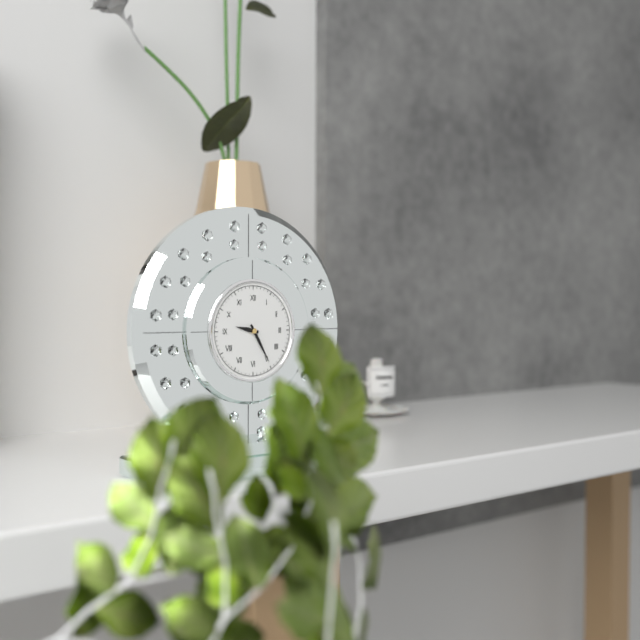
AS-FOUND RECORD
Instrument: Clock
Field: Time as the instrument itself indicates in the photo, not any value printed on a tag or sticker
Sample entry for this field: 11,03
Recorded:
9,25
